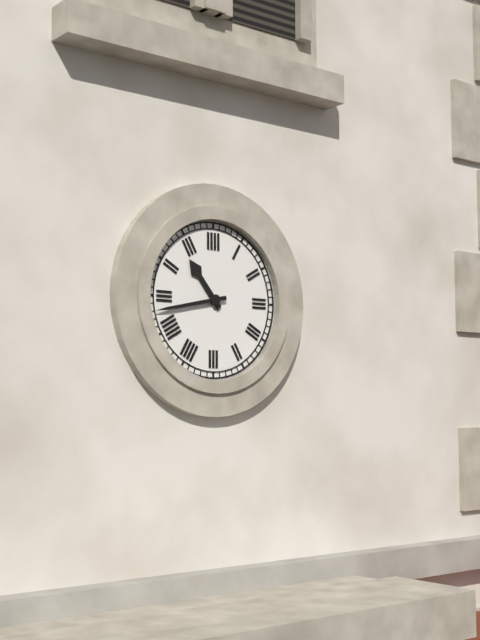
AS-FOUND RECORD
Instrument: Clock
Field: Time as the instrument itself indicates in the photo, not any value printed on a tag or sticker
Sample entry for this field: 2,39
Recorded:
10,43
